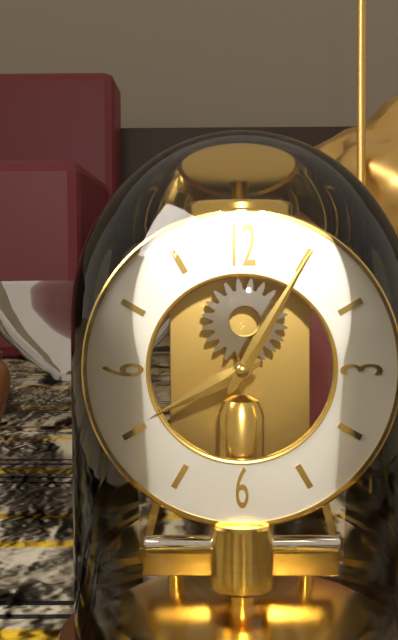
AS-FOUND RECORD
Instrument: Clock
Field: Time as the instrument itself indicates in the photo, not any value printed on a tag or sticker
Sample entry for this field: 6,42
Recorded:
8,05
